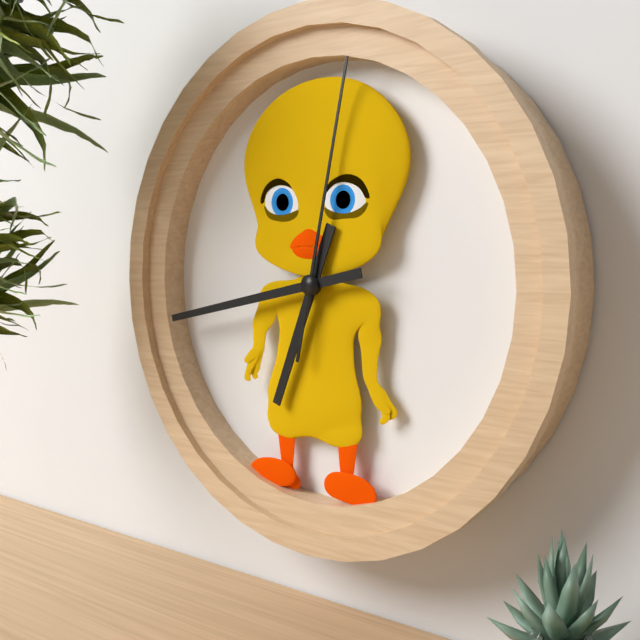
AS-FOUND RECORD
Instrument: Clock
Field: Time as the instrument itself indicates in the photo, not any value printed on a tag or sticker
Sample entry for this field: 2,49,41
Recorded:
6,43,02
